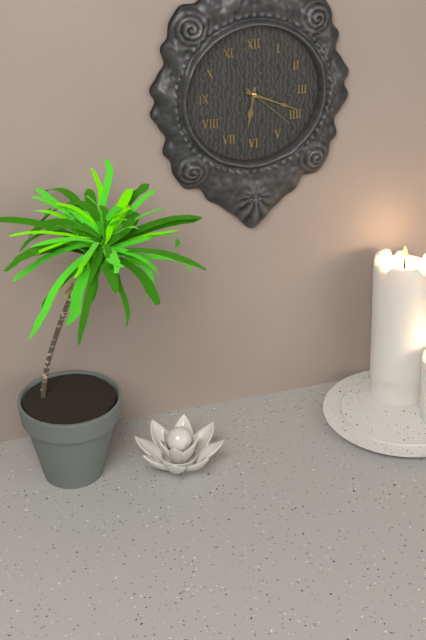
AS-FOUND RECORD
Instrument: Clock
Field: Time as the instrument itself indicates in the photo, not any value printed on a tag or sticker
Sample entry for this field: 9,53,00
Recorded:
6,19,22
